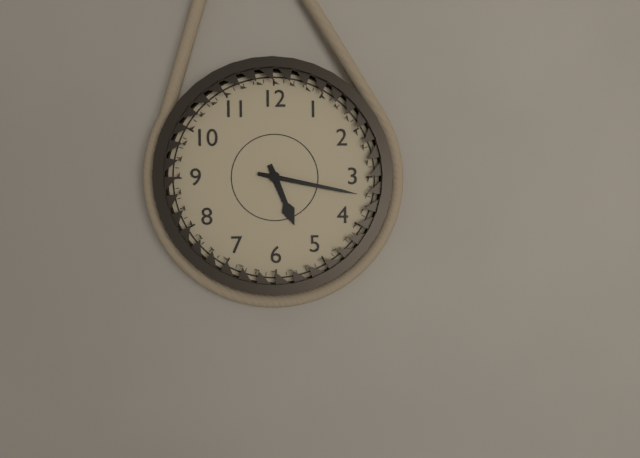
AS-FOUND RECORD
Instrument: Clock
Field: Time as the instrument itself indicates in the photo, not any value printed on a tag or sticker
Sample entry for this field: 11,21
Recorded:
5,17
